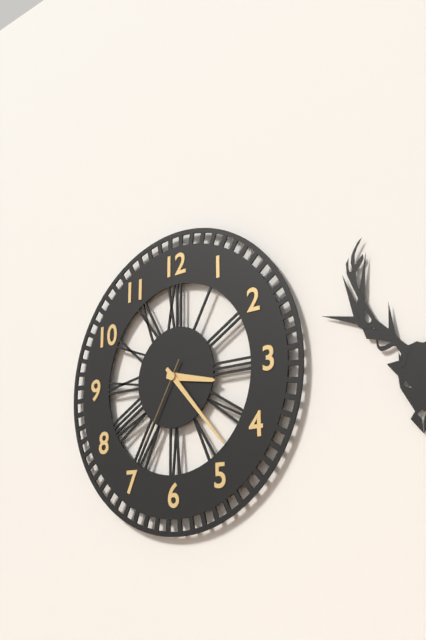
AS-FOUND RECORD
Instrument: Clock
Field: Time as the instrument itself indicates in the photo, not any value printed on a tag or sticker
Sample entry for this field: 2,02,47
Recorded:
3,23,35
